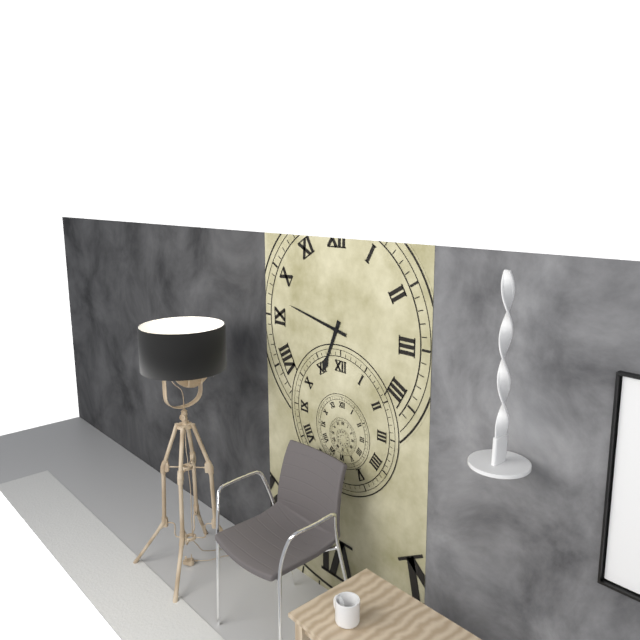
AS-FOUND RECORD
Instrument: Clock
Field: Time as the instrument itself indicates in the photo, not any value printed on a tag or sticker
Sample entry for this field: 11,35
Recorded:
6,47
